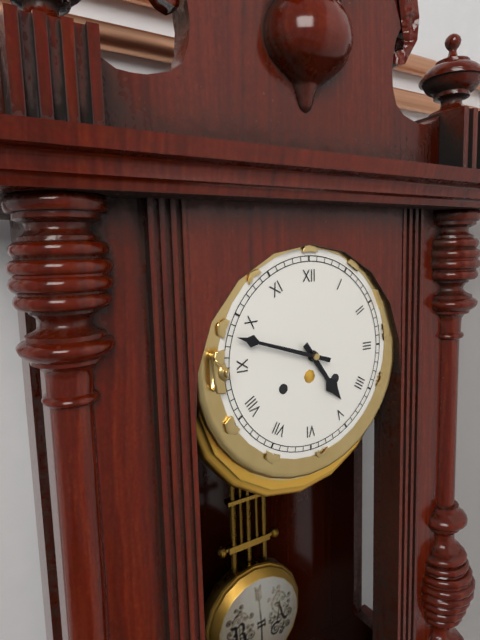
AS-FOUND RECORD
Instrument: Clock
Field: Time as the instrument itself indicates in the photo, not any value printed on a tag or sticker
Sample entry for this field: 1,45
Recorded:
4,48
